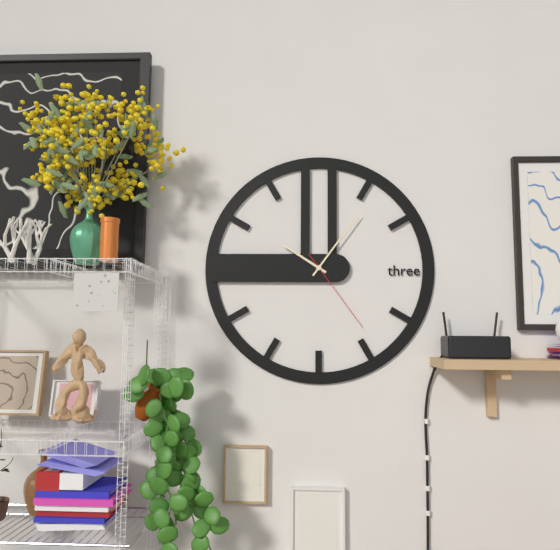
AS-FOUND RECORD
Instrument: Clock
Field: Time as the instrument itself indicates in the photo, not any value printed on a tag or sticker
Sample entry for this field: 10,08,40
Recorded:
10,06,24
